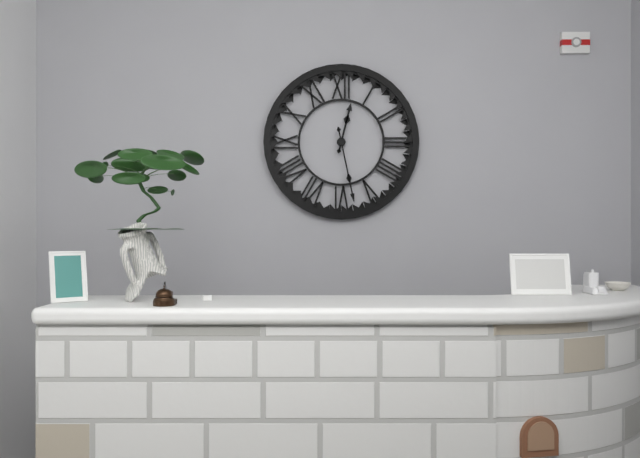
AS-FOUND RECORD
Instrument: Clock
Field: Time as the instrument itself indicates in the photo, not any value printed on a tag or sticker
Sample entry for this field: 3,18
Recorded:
12,28
